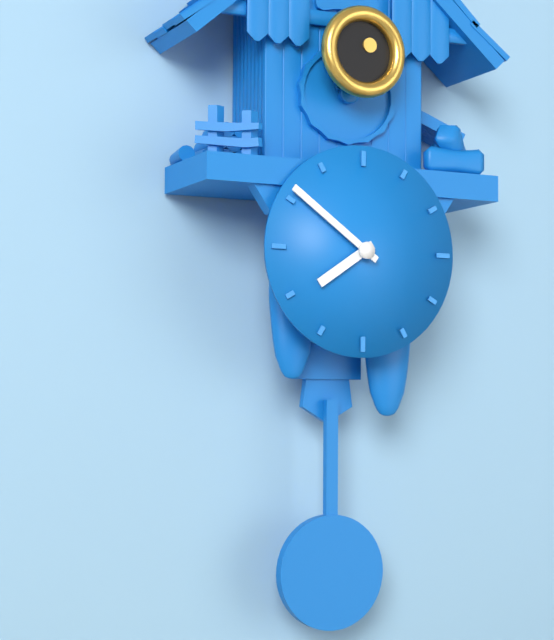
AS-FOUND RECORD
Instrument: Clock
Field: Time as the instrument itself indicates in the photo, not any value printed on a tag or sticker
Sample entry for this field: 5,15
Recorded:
7,51
